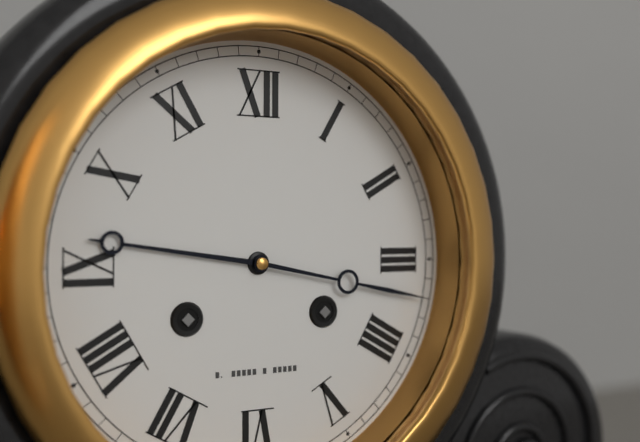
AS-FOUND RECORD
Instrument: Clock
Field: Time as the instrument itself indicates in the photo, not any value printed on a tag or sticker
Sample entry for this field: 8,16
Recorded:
9,17
